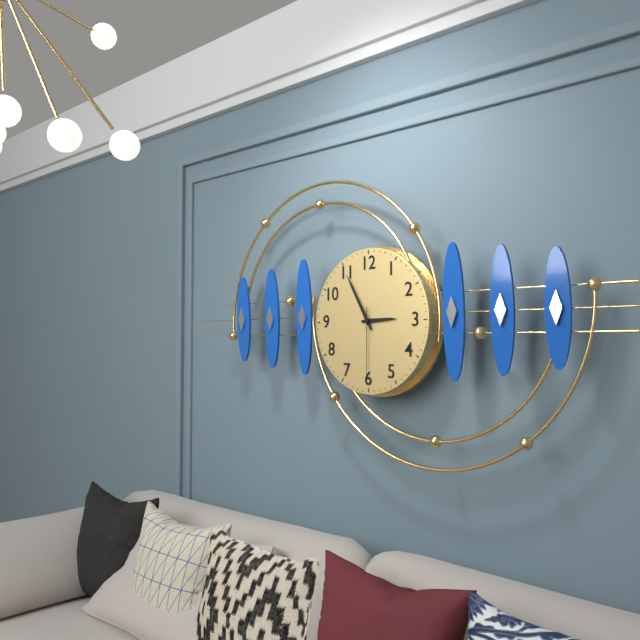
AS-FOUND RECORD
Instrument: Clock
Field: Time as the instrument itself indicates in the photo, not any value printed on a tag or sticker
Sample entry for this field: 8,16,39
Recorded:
2,55,30
